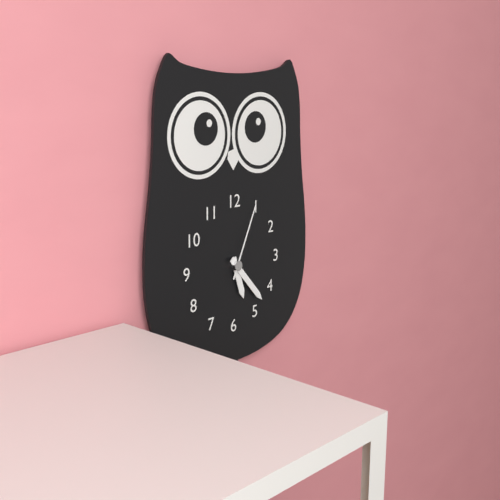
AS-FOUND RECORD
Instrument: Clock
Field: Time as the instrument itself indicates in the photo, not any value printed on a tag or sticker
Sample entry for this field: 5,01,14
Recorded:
5,23,04
